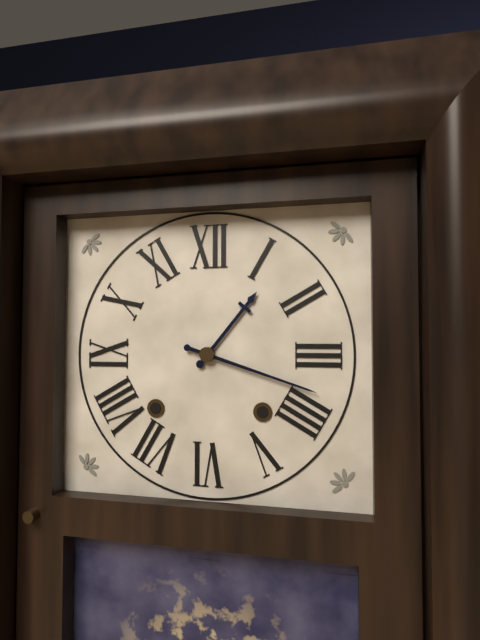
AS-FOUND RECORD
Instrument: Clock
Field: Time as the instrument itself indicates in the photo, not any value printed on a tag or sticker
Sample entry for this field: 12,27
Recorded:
1,18
